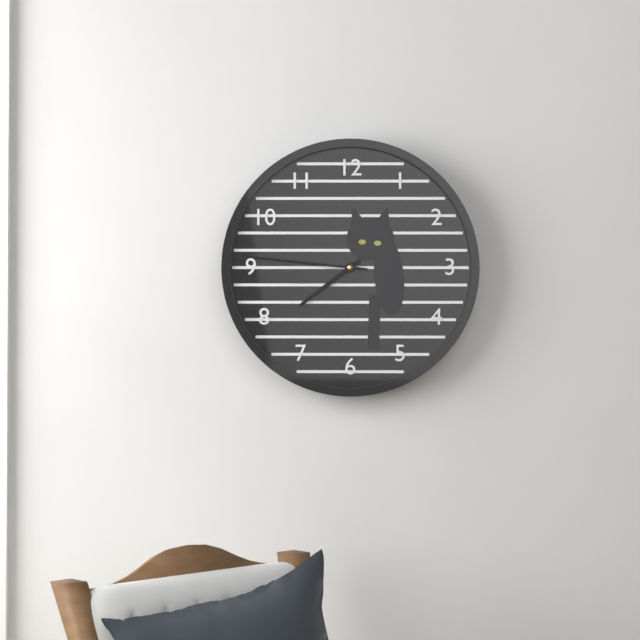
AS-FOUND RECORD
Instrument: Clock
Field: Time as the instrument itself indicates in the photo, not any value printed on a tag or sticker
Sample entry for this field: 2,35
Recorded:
7,46
